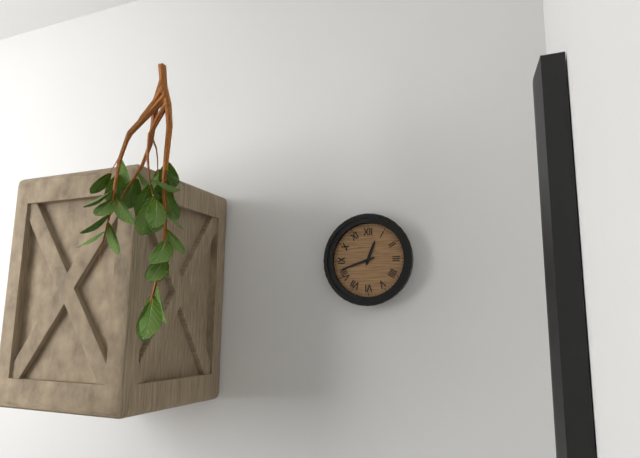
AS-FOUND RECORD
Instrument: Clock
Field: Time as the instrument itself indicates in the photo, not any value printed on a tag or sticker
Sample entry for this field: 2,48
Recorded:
12,42
